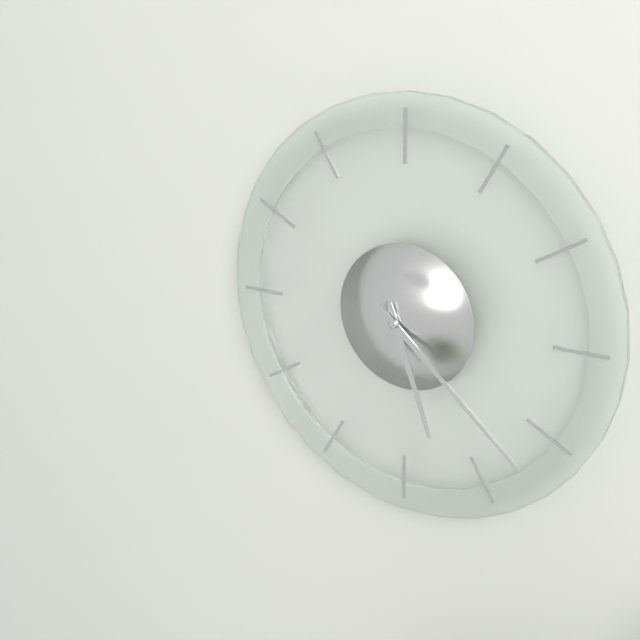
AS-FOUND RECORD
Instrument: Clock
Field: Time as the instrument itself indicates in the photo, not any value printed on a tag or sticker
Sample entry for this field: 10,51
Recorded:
5,22
